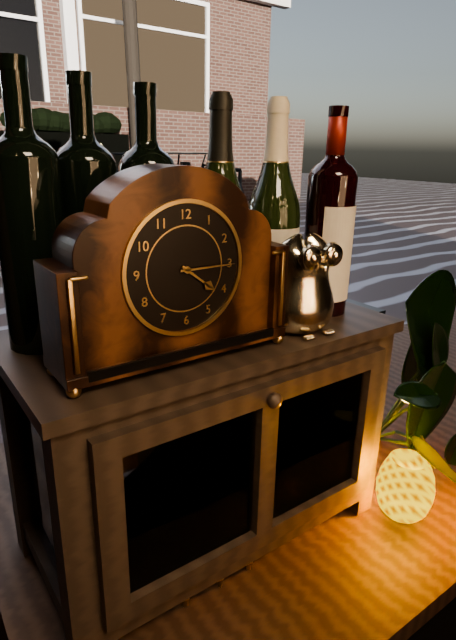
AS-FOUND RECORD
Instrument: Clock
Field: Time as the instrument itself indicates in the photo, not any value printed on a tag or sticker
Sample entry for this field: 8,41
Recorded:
4,15
